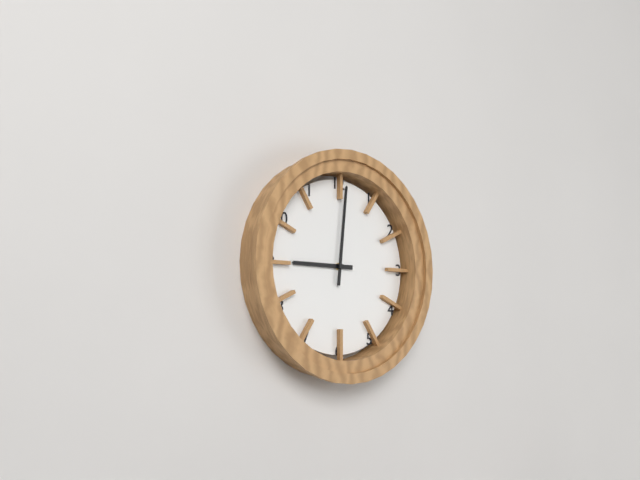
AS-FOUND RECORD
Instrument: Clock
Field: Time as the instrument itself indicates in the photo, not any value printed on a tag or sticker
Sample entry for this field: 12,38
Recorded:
9,01
